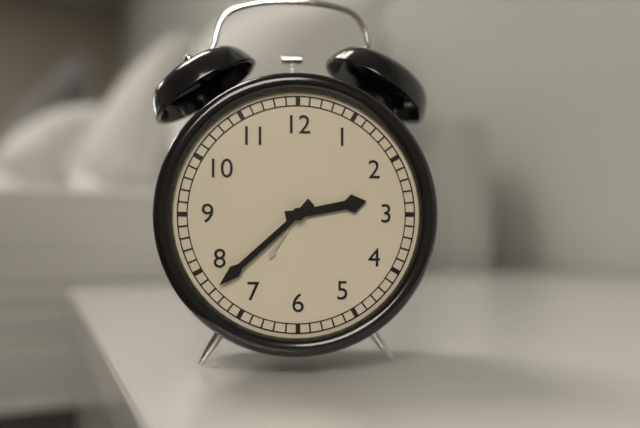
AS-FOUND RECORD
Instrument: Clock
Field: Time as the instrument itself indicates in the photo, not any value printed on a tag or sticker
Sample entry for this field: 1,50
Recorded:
2,38
